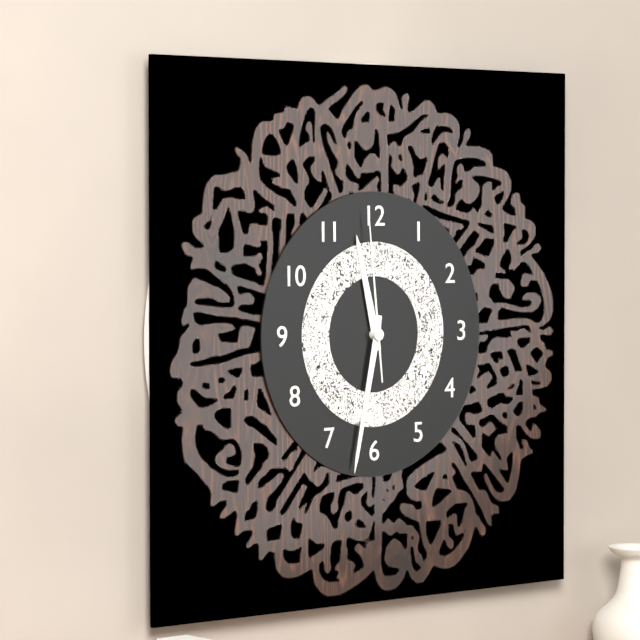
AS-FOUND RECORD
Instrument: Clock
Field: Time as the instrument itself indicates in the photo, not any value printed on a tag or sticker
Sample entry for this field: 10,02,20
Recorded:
11,32,59
